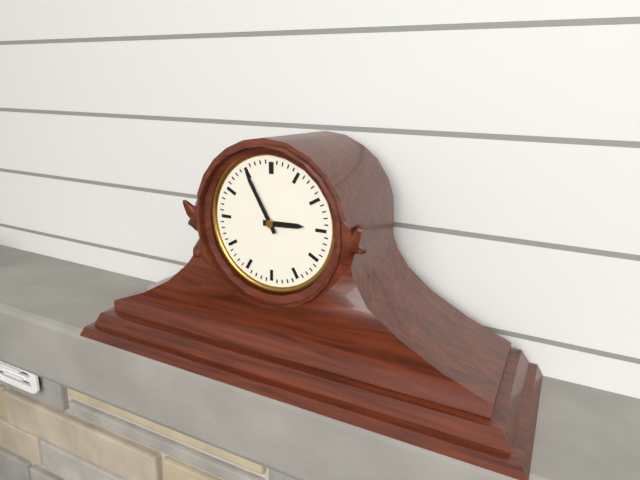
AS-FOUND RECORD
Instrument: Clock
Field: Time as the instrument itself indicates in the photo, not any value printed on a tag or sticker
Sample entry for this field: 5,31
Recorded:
2,55
